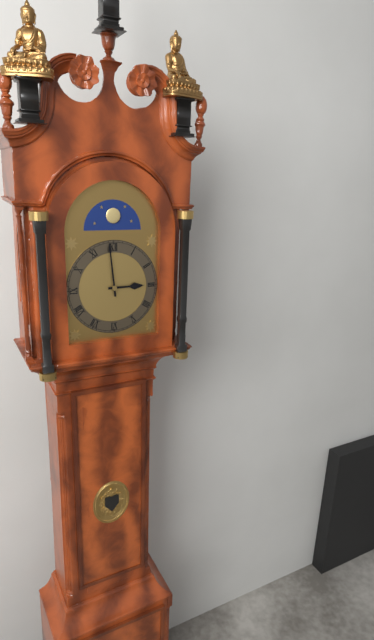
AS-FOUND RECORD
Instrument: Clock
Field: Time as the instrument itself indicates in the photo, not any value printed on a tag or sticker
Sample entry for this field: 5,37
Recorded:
2,59
